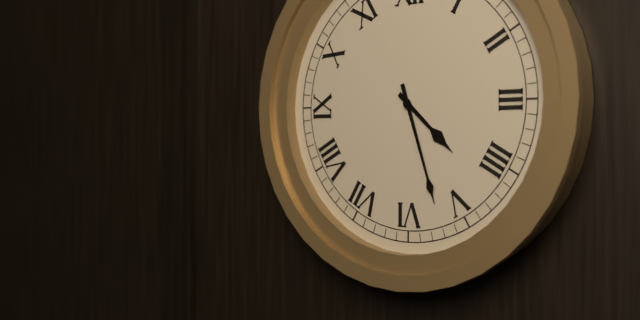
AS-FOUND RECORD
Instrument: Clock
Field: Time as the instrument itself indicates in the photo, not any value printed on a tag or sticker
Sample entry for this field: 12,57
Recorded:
4,27
